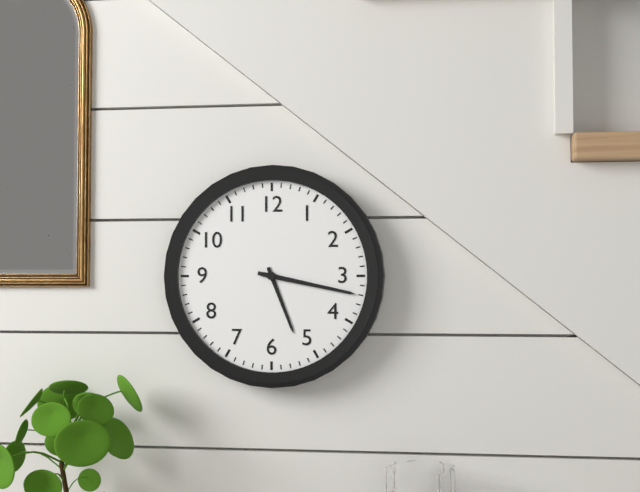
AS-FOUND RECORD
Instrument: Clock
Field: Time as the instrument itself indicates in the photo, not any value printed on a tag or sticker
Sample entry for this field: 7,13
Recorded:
5,17
